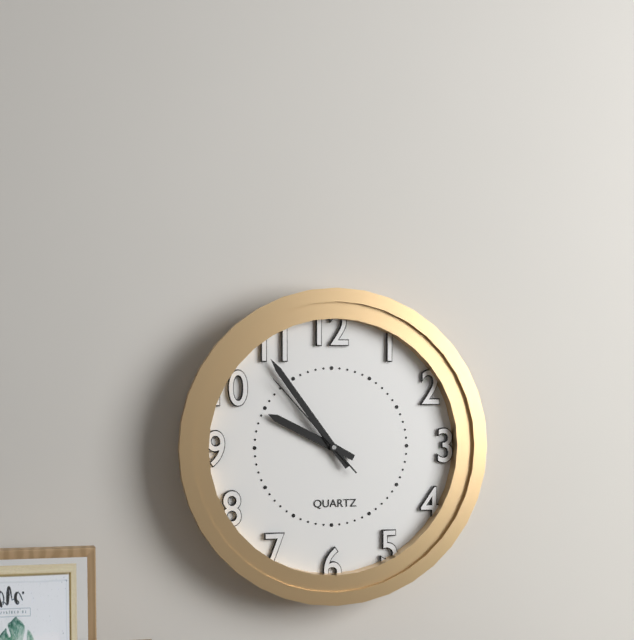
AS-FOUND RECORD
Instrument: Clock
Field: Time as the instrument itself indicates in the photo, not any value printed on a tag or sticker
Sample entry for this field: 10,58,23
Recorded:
9,54,53
